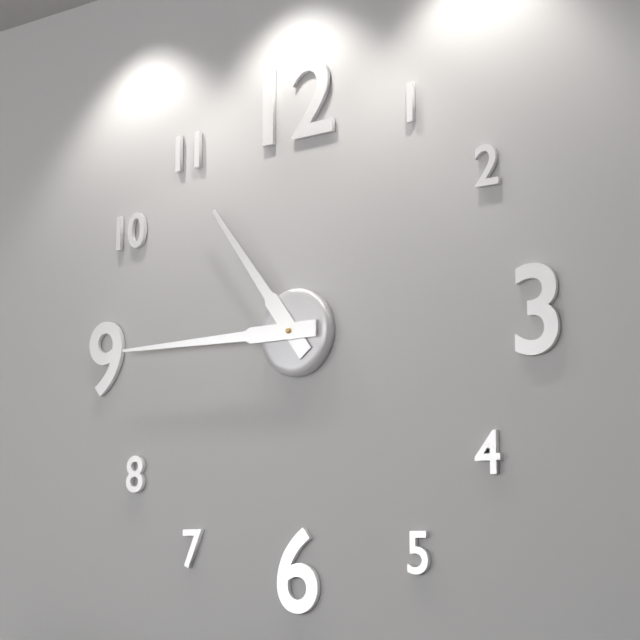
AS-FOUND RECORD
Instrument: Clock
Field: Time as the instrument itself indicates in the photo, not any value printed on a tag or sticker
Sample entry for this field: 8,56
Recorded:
10,45
